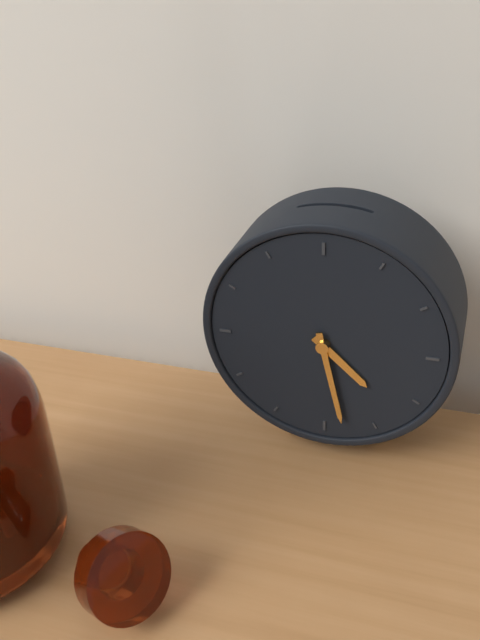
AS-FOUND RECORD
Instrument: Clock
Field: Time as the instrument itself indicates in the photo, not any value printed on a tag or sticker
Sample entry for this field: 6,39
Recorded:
4,28
